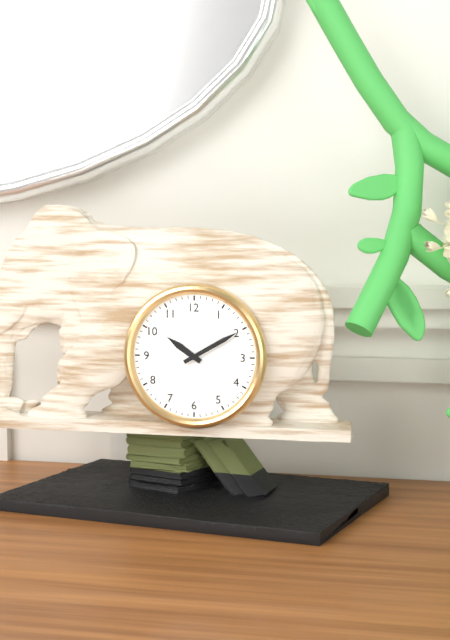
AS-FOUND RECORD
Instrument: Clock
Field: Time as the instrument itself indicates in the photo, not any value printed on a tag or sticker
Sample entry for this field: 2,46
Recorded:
10,10
